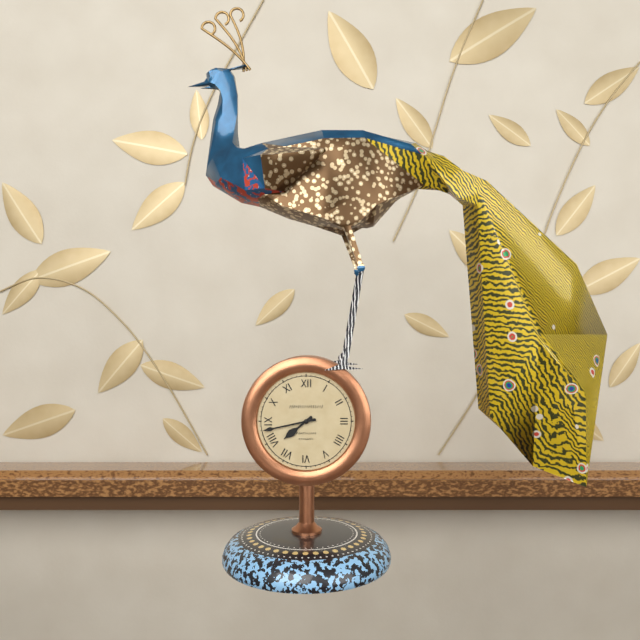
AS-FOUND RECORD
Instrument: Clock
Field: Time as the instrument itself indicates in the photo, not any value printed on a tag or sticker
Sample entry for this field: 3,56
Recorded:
7,43
